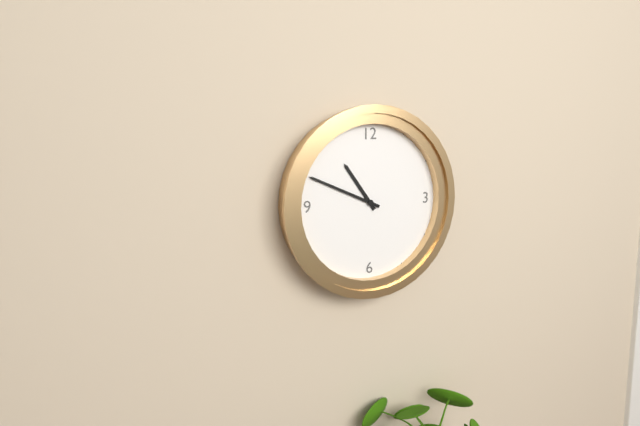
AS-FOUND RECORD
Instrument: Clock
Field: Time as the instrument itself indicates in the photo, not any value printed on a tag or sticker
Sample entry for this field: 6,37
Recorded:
10,49
